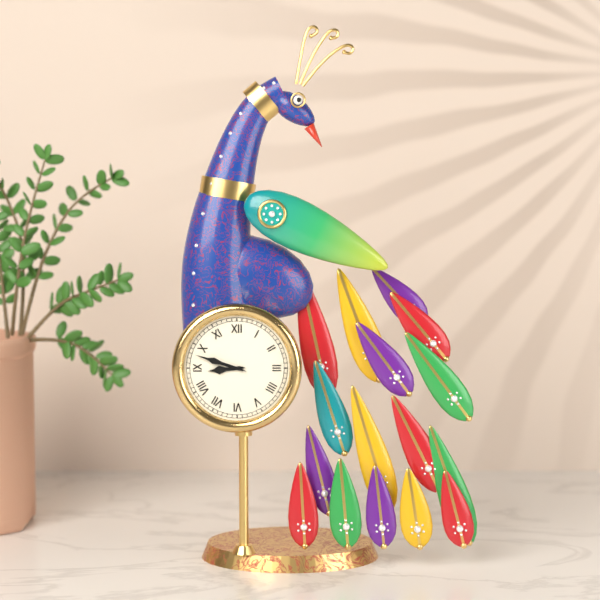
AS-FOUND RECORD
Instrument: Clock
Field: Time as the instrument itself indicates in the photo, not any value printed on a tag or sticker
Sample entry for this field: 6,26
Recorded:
8,48
